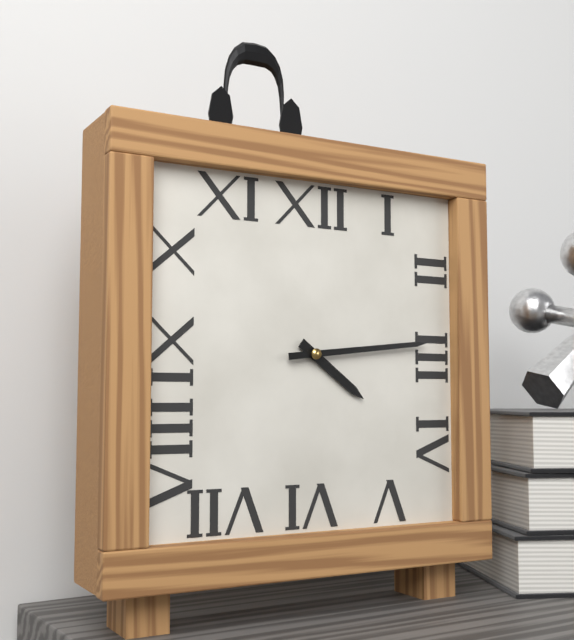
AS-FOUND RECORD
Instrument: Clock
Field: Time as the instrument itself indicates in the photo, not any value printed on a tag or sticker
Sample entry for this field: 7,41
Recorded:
4,14
